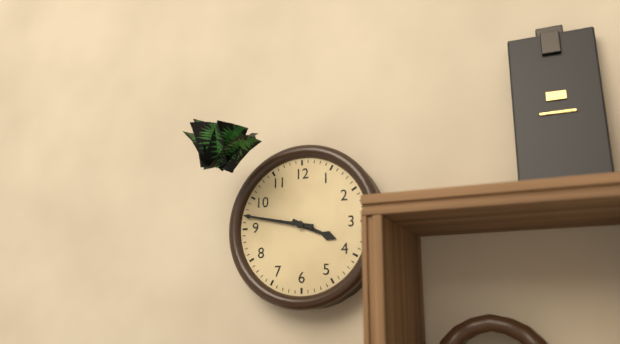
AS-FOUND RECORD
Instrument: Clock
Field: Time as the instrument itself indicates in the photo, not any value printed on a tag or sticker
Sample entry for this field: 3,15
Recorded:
3,47
